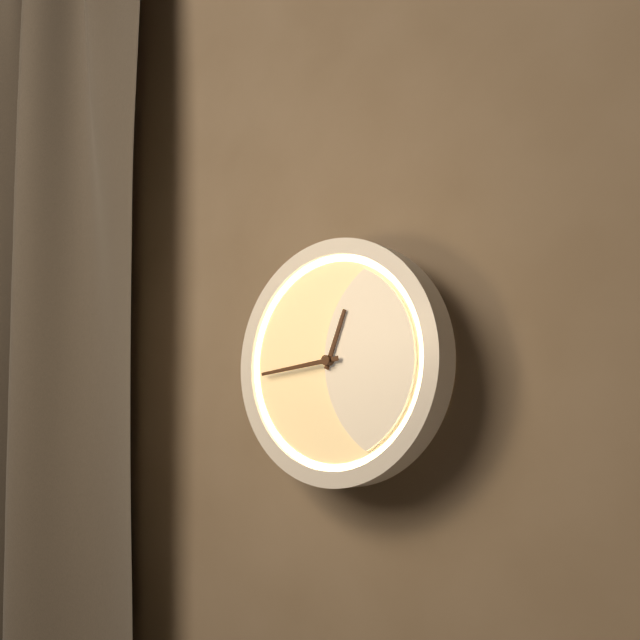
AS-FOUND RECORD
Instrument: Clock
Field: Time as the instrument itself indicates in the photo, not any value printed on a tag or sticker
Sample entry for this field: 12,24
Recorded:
12,44
